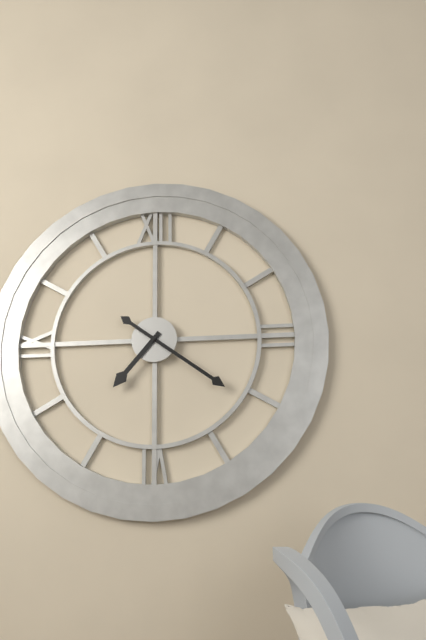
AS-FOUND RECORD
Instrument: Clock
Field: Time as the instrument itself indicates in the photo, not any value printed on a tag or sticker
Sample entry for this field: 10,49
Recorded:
7,21
